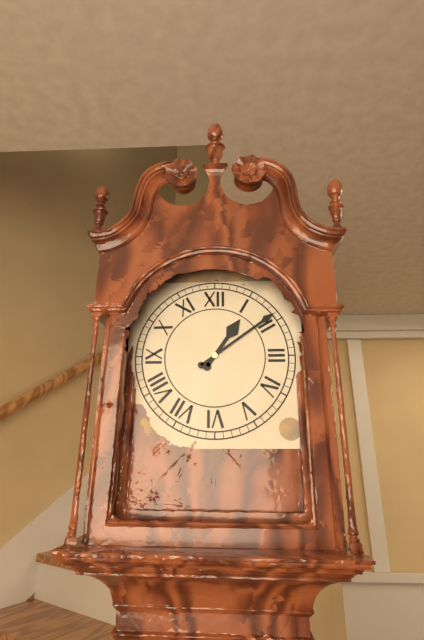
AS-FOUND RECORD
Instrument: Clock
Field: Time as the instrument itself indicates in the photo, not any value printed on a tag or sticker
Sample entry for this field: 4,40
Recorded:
1,09
